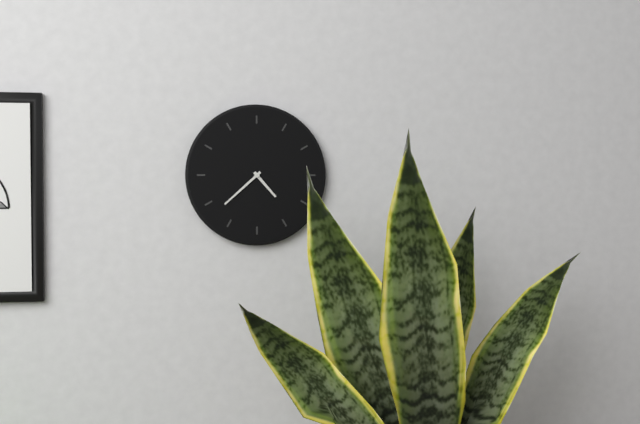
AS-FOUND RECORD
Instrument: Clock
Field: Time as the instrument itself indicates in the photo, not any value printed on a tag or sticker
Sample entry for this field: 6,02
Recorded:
4,38
